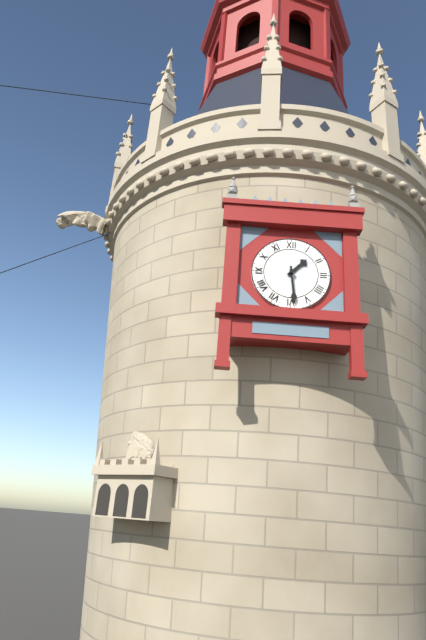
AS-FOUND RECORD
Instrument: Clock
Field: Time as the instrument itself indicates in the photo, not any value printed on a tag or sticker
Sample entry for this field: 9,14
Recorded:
1,29
